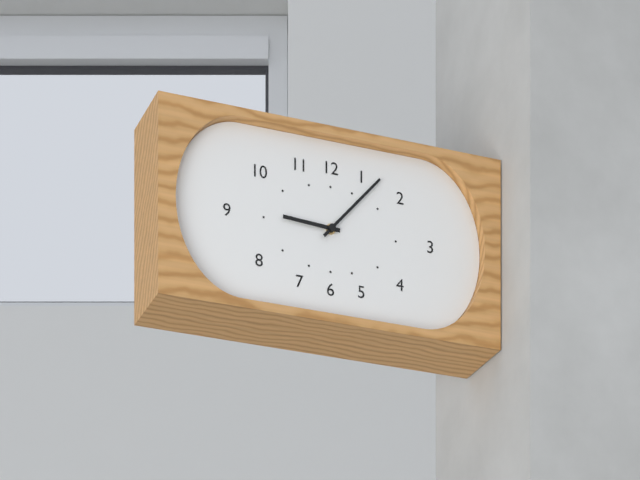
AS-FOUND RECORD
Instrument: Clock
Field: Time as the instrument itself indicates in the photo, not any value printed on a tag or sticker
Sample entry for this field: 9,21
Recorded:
9,07
